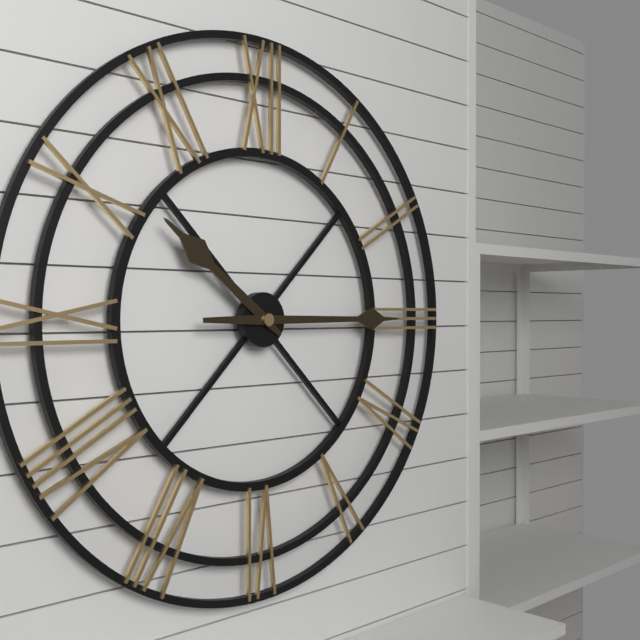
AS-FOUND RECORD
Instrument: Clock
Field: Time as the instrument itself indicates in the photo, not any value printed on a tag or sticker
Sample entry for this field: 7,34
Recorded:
10,15
